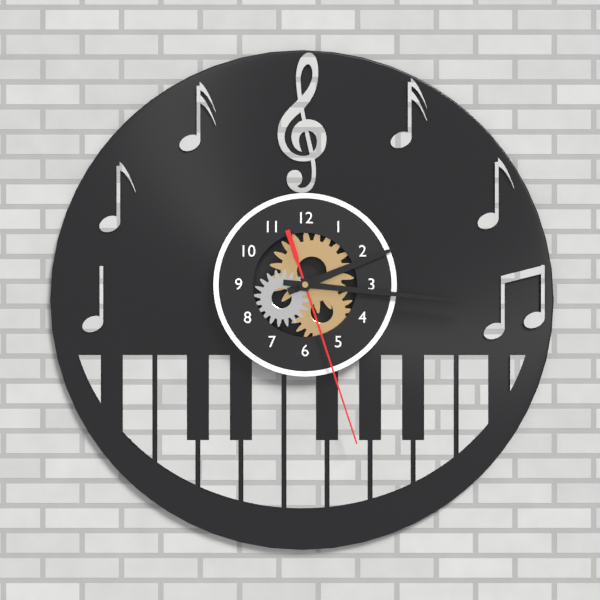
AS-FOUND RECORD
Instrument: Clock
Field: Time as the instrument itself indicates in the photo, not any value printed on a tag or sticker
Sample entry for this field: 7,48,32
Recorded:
2,16,27
